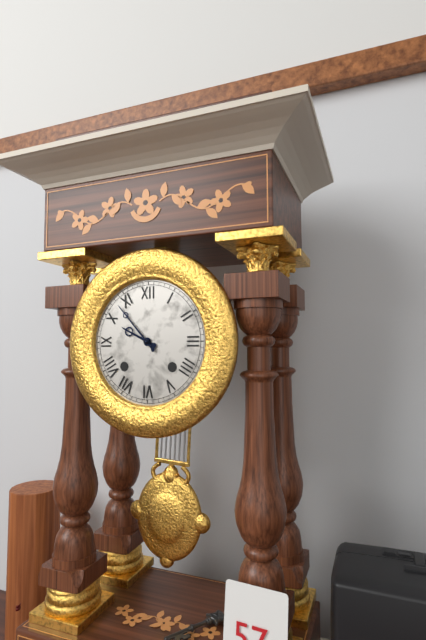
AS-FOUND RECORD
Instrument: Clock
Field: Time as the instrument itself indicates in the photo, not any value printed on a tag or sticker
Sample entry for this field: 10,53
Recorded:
9,53
